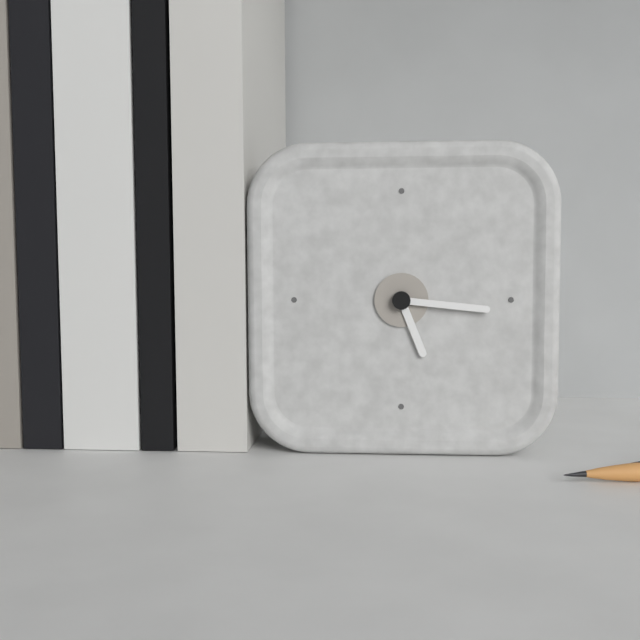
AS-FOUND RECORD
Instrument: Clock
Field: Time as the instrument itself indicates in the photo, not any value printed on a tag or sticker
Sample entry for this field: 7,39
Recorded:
5,16
